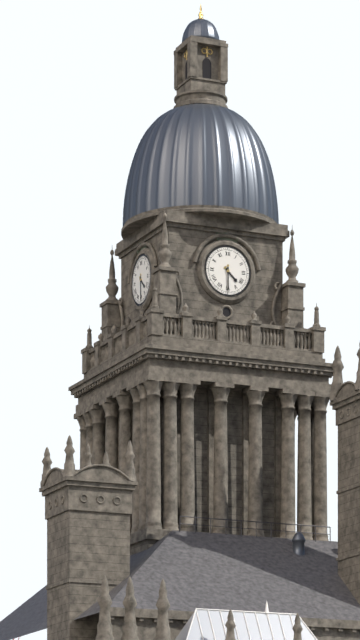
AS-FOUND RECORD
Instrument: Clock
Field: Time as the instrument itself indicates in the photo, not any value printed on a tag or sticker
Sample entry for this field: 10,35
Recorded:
4,30
